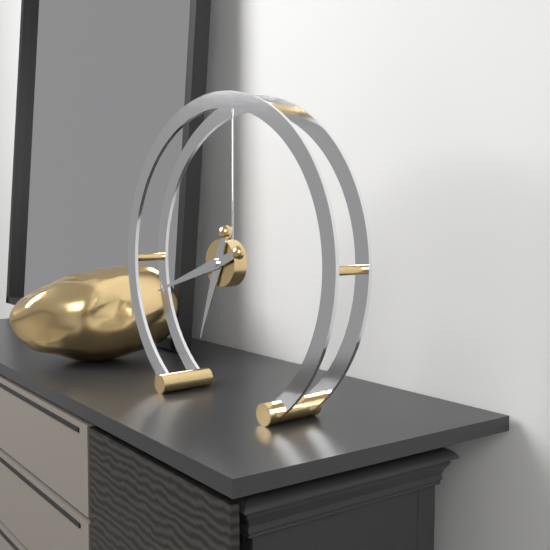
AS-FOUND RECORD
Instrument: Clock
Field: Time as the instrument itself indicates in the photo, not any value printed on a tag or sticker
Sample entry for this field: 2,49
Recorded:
6,42
